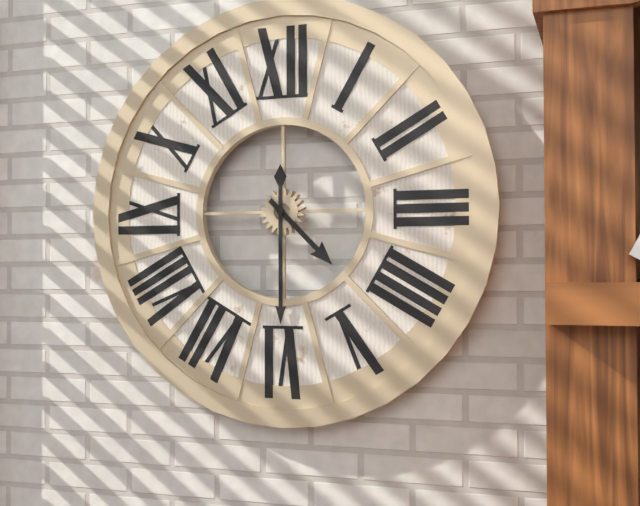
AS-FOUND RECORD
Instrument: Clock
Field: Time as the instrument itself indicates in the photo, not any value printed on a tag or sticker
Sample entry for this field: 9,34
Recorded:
4,30
